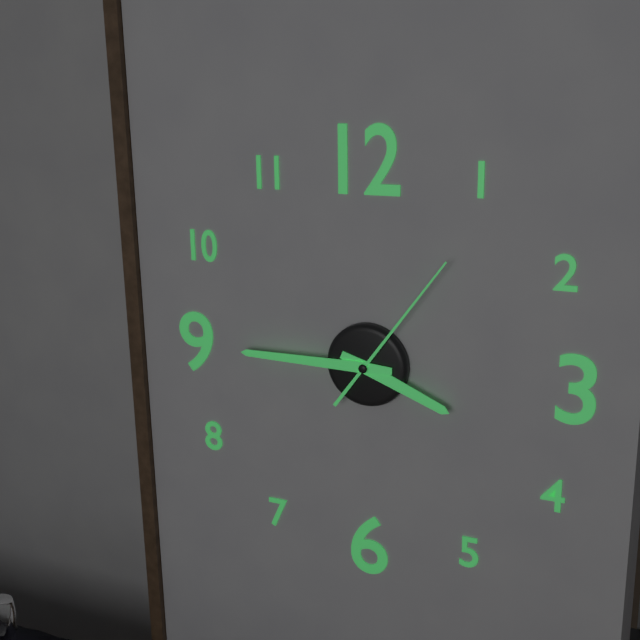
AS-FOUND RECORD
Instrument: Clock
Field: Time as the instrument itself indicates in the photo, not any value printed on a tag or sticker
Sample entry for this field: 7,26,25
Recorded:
3,45,06
